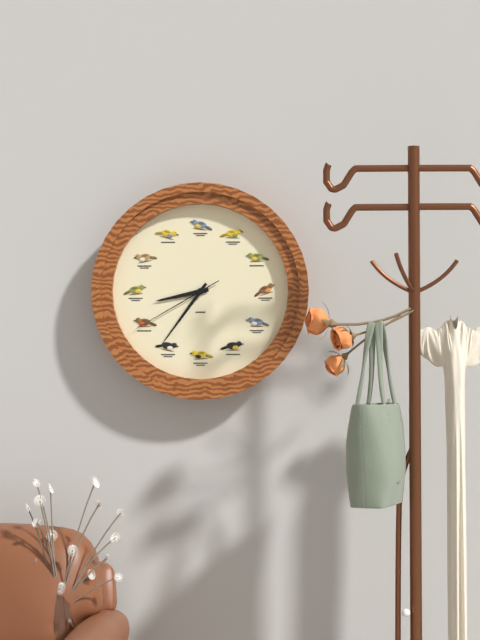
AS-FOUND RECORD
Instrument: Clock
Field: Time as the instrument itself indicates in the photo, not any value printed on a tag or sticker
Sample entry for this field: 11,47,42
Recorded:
8,36,40
